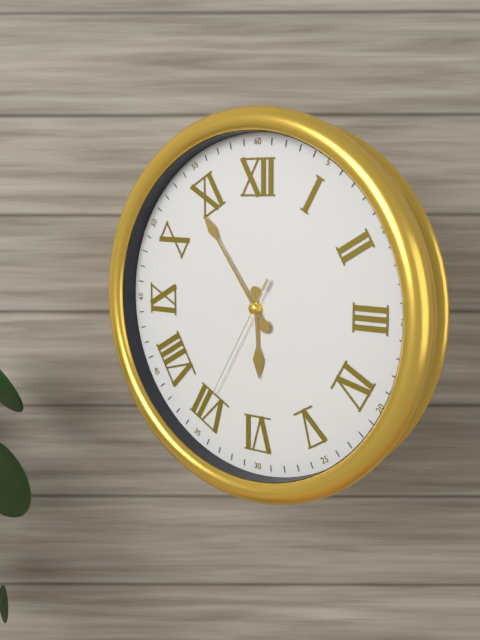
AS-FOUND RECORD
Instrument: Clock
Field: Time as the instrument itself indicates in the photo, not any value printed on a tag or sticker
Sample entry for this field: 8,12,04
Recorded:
5,54,35
